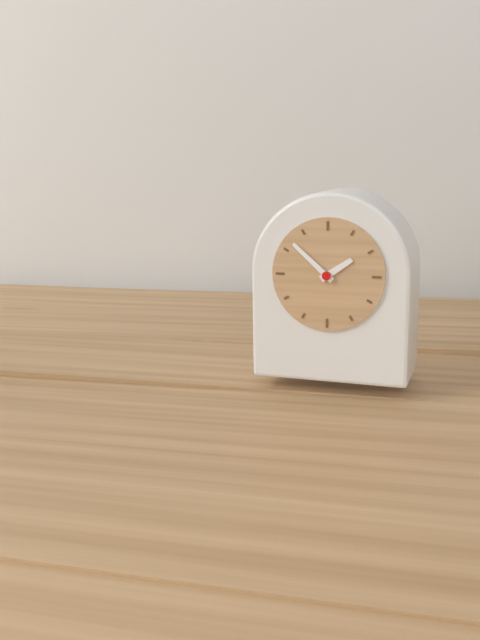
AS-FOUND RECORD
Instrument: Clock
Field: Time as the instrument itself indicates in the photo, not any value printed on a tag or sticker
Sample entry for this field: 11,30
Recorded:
1,52
